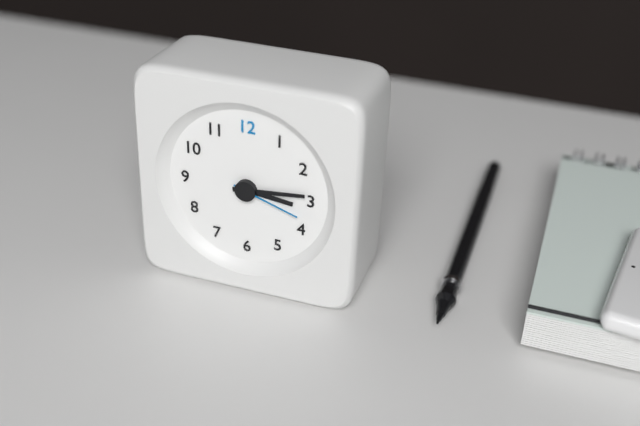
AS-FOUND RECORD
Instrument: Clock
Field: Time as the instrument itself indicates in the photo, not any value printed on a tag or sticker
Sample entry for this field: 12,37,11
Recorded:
3,14,18
